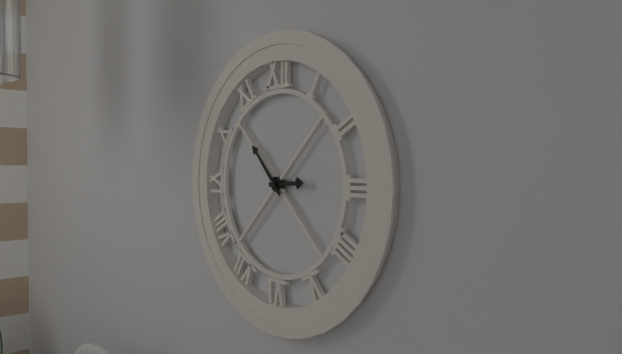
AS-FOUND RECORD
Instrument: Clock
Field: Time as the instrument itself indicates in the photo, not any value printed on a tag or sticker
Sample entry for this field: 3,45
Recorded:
2,53
